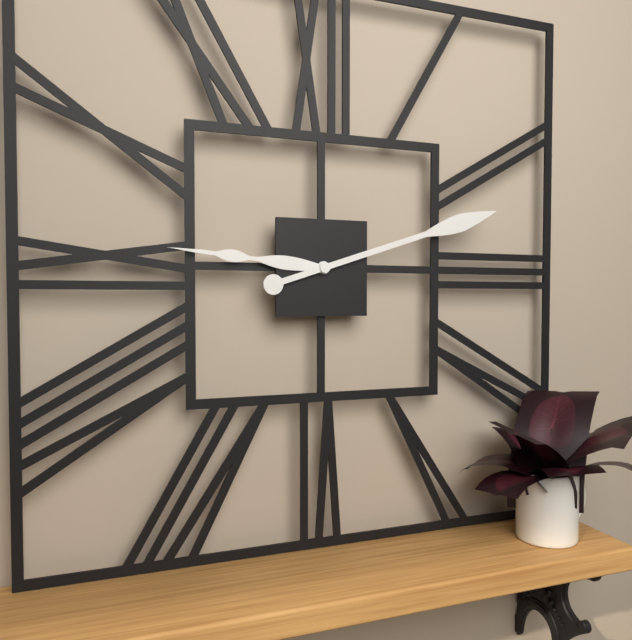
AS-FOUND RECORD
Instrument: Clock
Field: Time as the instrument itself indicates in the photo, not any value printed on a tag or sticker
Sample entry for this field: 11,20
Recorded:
9,12
